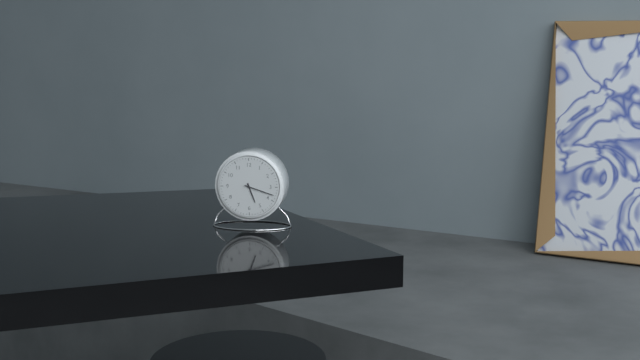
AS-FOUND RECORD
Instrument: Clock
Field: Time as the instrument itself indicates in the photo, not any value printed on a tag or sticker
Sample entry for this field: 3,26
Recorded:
5,18
